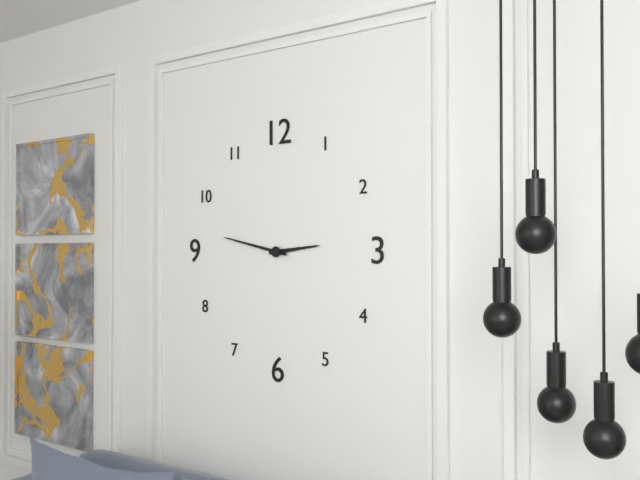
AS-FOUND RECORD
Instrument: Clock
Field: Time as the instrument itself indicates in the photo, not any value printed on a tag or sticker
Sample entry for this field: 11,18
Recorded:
2,47
